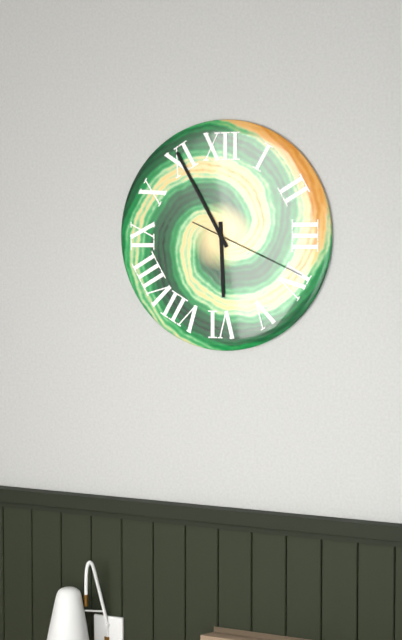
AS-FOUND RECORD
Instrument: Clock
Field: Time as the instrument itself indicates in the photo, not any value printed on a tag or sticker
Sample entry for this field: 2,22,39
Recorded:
5,55,19
